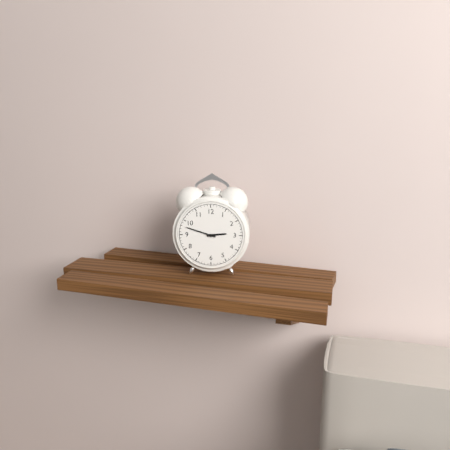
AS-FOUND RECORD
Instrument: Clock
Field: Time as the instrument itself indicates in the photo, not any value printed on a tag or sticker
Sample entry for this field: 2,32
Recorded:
2,48
